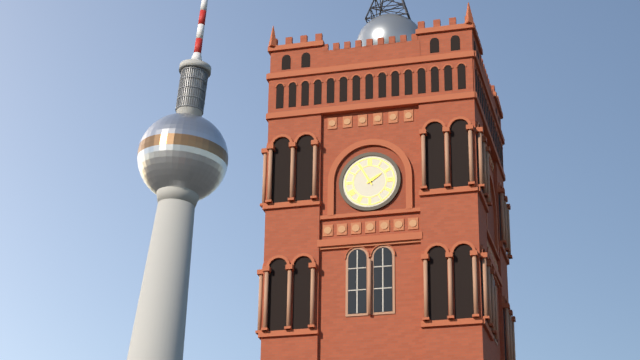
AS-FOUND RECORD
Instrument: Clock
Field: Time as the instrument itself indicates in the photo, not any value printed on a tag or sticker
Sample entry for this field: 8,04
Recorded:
1,55
